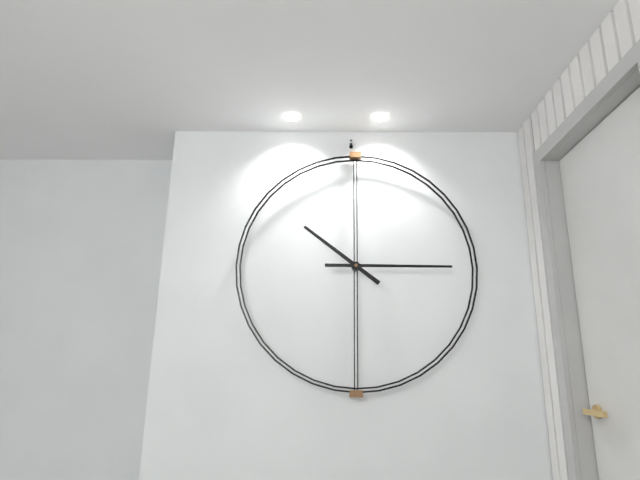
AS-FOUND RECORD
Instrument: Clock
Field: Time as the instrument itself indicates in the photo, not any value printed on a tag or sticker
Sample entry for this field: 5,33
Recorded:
10,15
